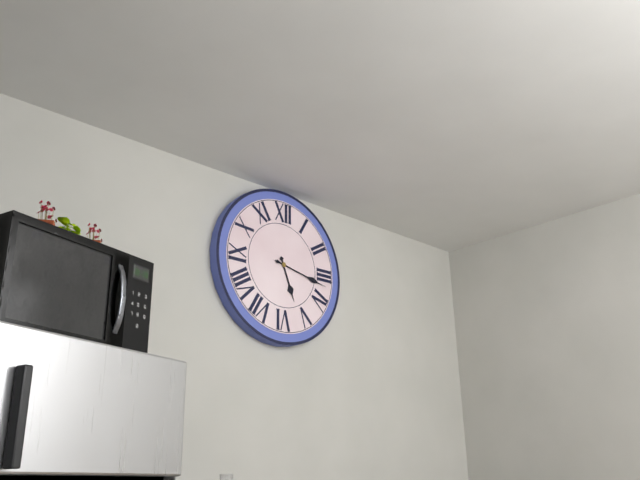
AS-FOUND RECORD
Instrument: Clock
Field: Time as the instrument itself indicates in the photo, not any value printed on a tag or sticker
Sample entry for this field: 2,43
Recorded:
5,17
